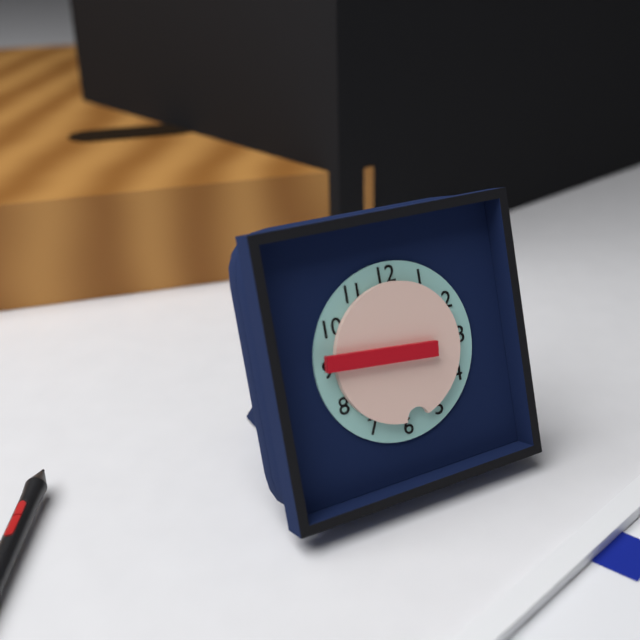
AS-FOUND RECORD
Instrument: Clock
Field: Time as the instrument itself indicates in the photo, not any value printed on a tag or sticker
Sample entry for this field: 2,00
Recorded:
5,46
